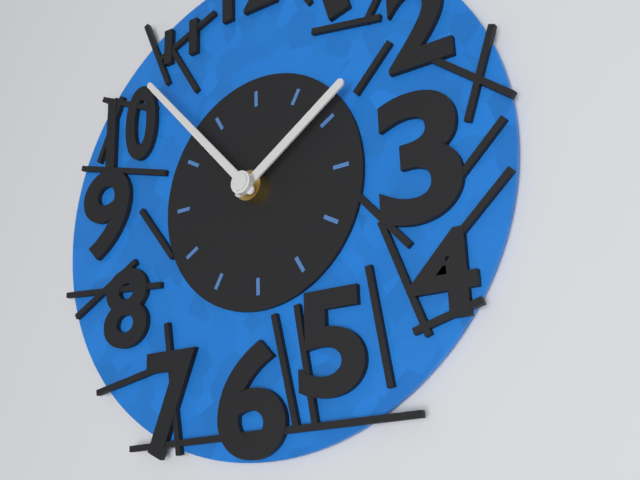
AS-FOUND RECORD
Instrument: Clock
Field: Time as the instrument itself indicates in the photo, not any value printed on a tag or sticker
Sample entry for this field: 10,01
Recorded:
1,53
